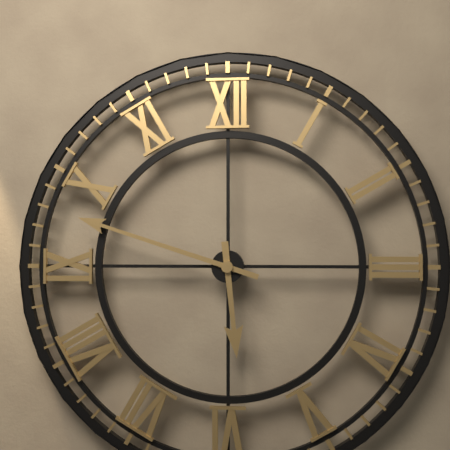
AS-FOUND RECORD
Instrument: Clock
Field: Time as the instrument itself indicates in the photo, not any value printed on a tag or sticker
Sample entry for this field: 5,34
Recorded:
5,48
